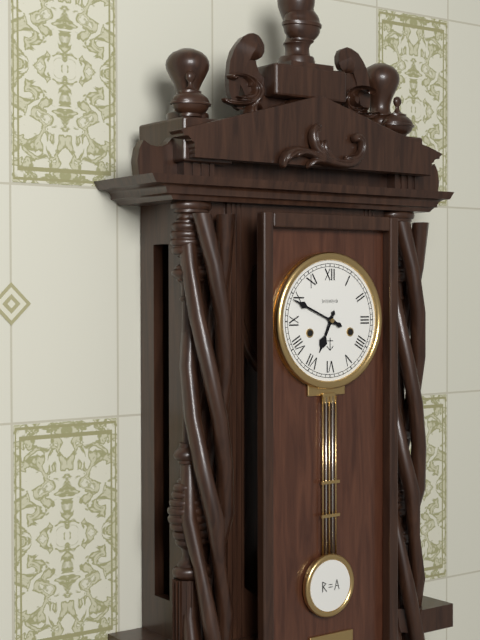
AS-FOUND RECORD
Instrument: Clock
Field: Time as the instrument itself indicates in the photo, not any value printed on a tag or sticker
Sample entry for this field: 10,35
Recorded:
6,49
